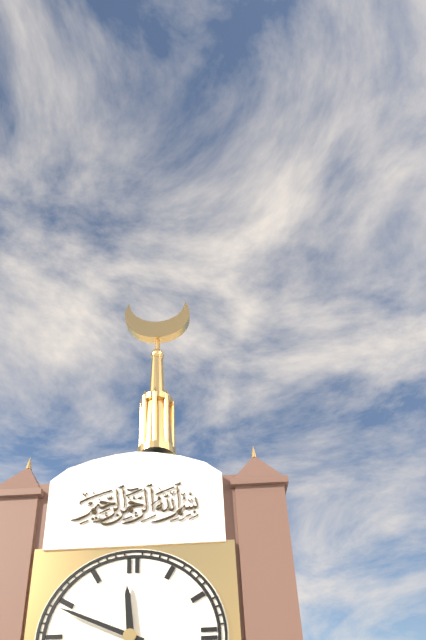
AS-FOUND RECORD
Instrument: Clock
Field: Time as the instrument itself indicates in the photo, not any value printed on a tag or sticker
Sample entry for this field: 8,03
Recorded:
11,49
